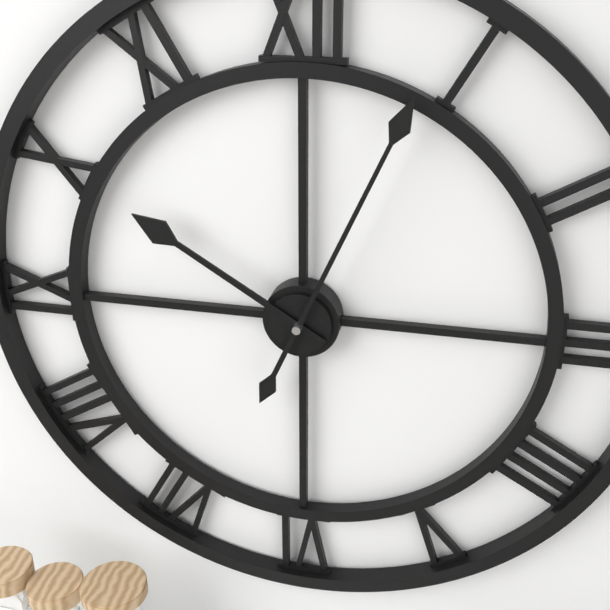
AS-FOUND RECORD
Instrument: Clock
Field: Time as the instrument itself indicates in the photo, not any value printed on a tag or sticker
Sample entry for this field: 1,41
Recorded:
10,04
